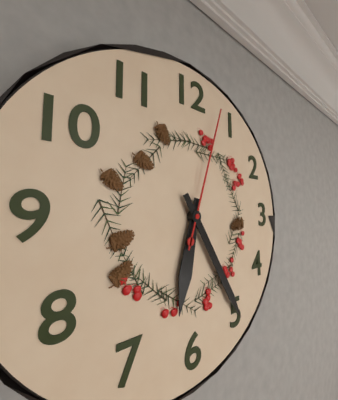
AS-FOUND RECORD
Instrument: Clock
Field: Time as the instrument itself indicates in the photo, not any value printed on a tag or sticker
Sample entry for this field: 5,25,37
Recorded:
6,25,03
